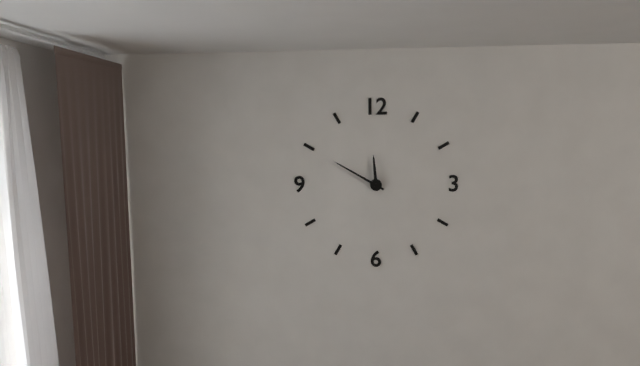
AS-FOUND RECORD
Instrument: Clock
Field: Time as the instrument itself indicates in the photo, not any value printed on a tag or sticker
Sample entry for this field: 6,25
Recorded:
11,50
